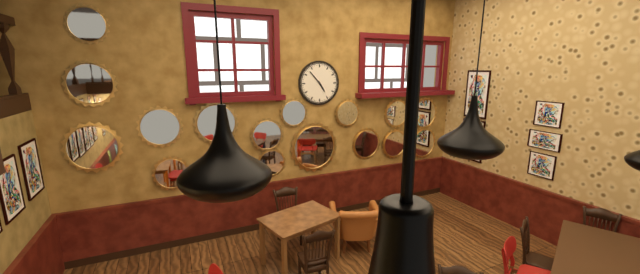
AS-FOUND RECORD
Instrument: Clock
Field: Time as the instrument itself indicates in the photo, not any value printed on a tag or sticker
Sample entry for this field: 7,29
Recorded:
4,53
